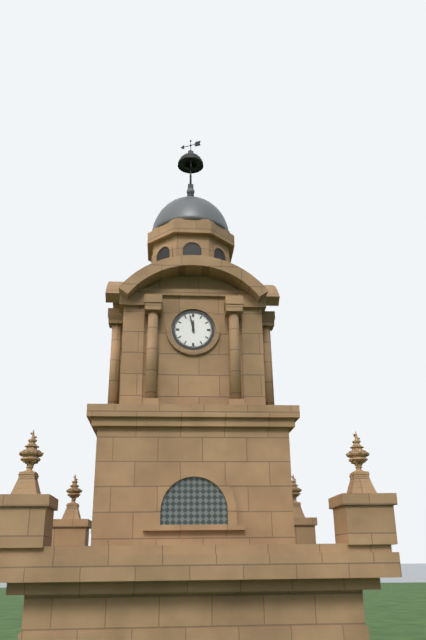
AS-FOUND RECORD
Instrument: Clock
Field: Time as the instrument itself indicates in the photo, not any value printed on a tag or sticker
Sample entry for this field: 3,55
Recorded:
11,58
